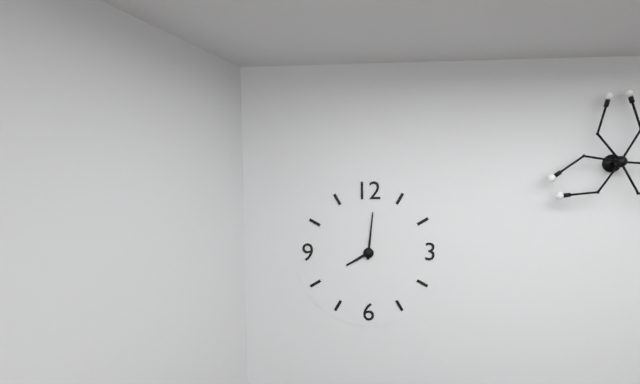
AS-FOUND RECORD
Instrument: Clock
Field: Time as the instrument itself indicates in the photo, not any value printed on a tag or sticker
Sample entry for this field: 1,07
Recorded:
8,01
